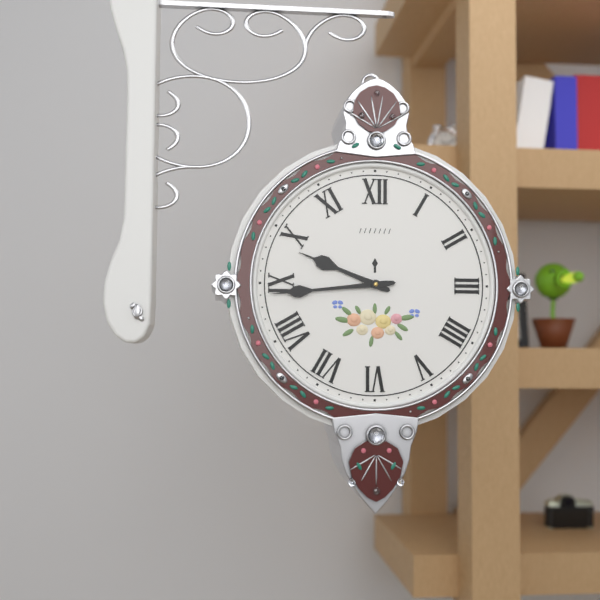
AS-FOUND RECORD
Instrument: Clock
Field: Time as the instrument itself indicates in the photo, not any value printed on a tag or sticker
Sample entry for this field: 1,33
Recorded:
9,44
